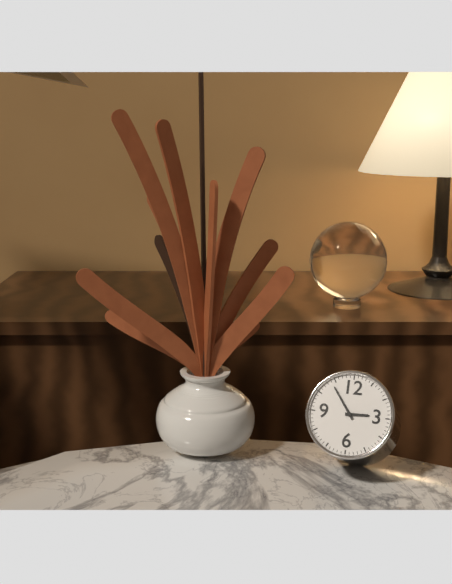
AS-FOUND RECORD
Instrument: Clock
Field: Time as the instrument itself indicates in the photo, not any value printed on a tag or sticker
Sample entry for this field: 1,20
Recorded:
2,54
